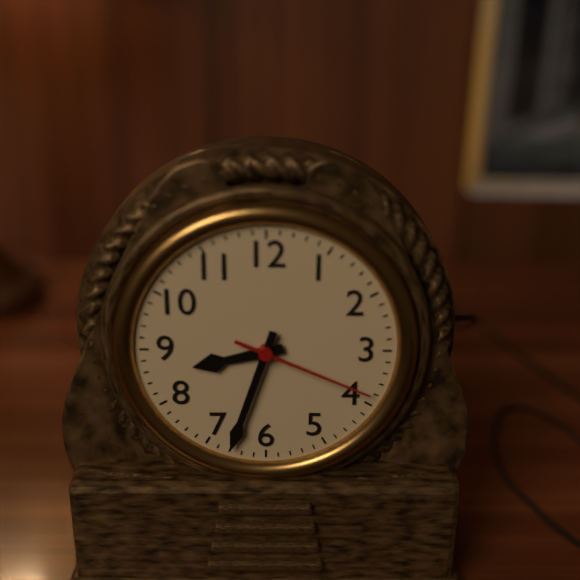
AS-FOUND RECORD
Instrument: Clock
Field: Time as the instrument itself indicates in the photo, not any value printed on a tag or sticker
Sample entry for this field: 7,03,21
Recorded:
8,33,19
